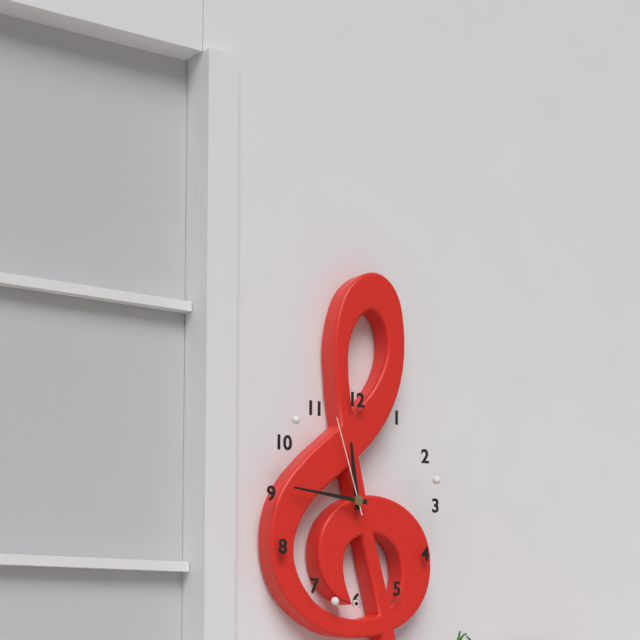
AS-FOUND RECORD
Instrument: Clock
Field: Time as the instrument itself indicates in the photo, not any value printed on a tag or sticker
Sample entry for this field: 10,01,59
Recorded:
11,46,57
